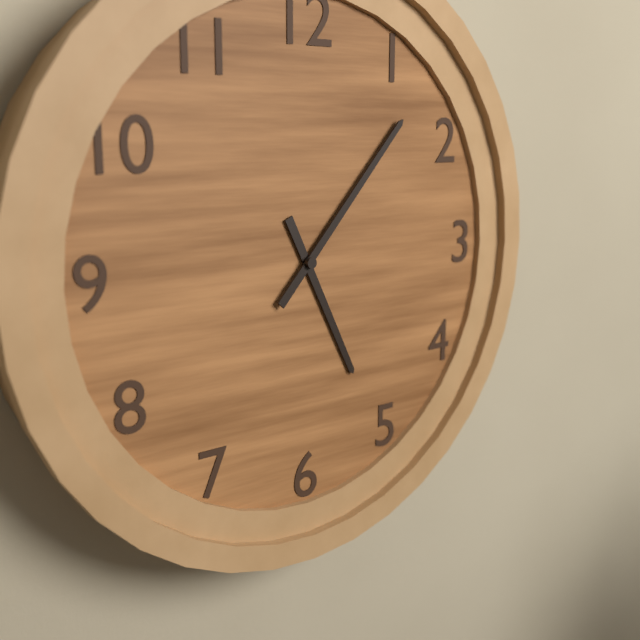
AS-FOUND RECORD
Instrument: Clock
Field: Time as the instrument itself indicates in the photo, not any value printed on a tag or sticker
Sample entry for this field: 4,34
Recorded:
5,07
